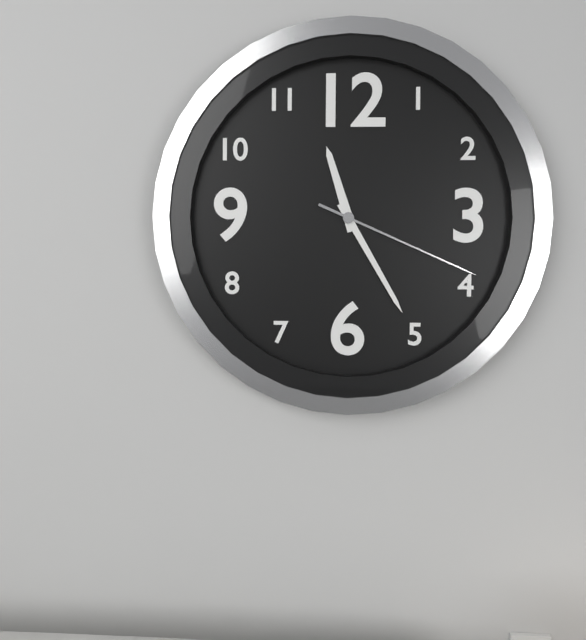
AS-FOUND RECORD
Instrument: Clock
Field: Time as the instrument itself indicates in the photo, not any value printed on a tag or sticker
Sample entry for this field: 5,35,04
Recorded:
11,25,19
